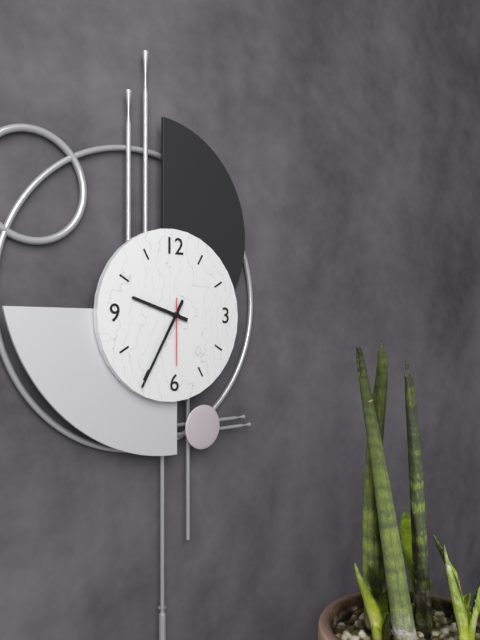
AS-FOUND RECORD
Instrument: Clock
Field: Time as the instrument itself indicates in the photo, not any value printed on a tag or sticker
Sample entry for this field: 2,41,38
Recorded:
9,35,30
